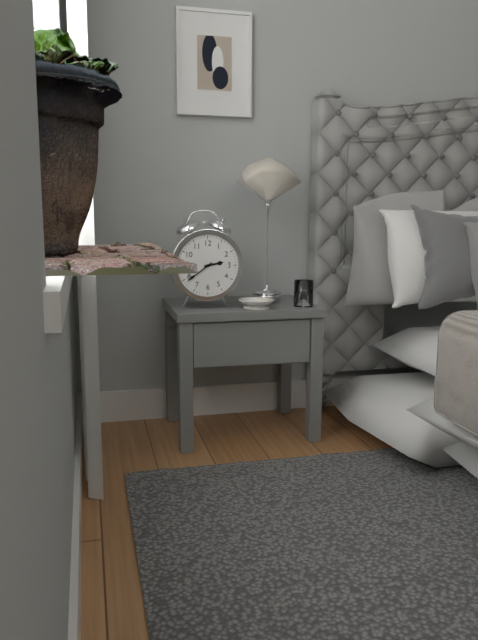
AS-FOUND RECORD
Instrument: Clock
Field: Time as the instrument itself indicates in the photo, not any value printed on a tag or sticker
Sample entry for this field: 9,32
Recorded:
2,39
